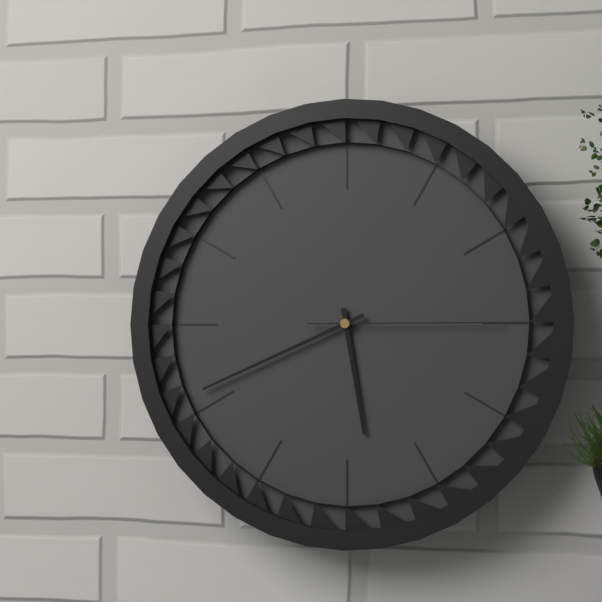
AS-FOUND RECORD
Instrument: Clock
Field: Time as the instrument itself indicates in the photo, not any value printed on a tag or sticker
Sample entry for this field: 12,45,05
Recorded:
5,41,15
